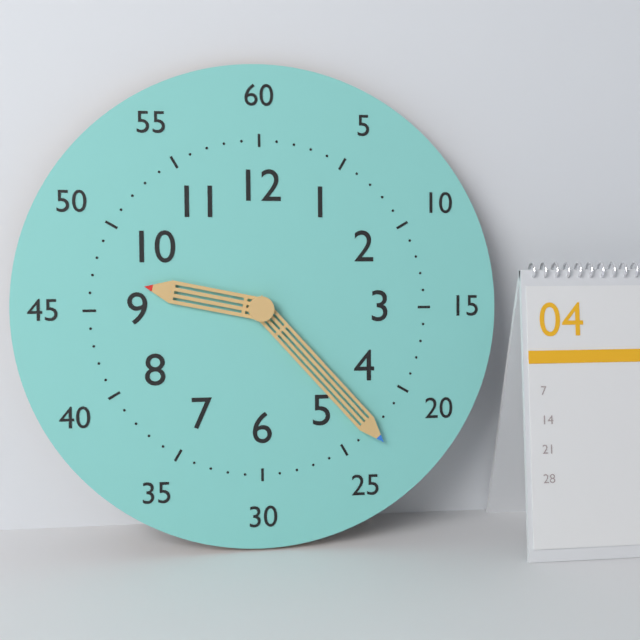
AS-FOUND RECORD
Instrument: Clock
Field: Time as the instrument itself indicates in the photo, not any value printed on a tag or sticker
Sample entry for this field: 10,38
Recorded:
9,23
